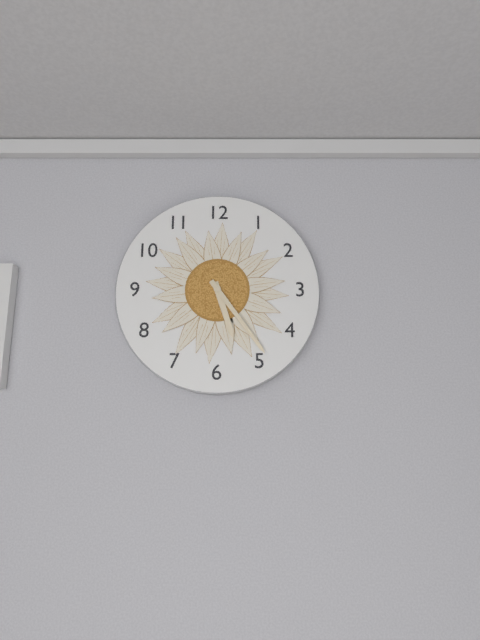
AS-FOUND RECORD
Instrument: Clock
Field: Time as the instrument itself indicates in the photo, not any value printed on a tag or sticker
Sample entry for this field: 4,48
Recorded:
5,24
